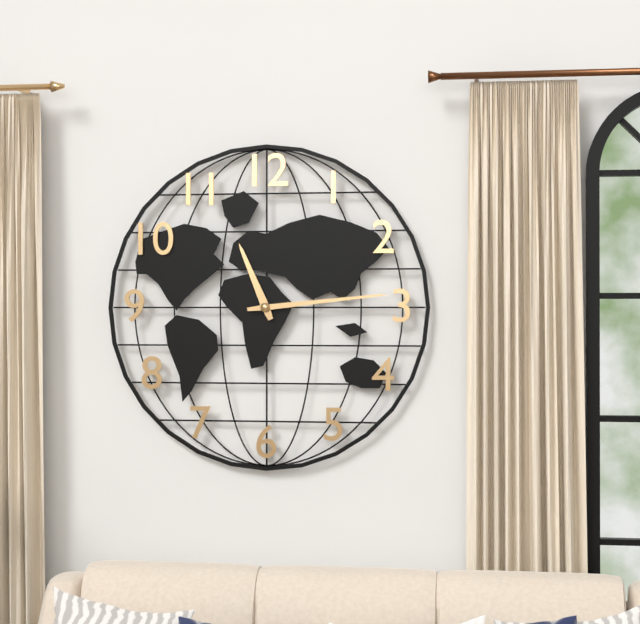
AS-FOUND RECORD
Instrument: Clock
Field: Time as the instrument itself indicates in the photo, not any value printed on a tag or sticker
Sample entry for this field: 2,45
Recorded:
11,14
